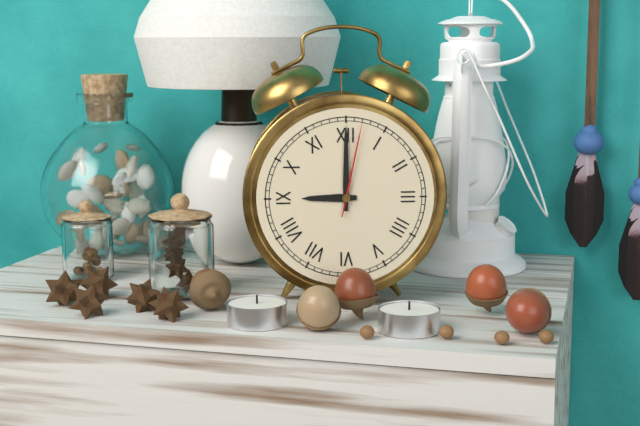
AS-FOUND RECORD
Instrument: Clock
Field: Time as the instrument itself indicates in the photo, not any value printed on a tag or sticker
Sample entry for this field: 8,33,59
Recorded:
9,00,02
